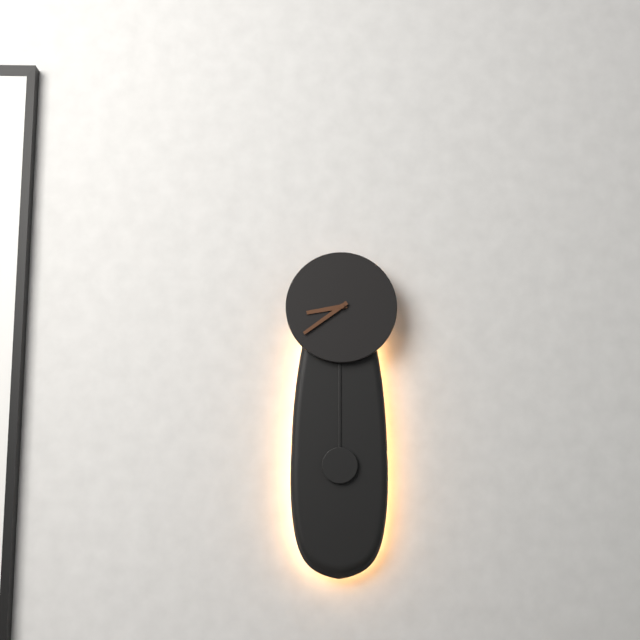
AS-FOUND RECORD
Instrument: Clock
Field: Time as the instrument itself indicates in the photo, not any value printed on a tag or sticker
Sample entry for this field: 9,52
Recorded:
8,39
